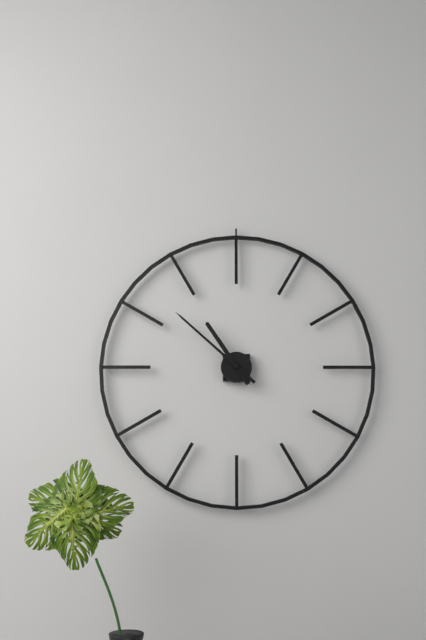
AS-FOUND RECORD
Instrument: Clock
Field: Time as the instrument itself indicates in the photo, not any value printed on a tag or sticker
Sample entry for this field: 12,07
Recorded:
10,52
